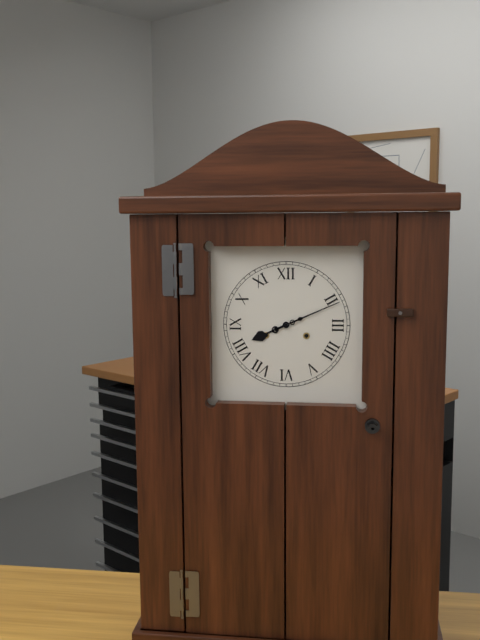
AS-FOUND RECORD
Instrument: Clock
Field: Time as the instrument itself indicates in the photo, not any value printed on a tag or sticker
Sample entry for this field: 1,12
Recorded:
8,11
